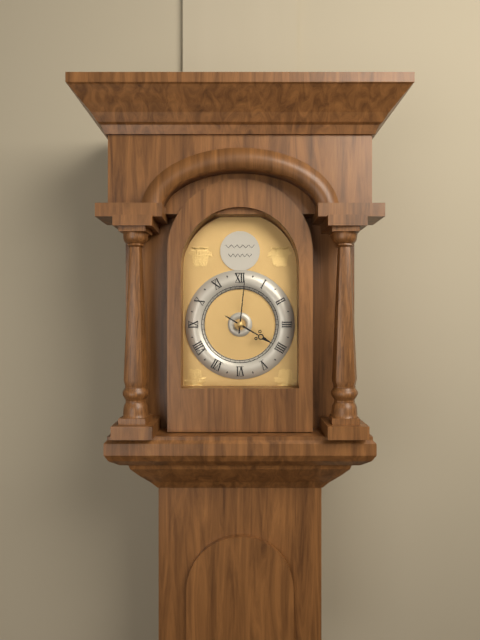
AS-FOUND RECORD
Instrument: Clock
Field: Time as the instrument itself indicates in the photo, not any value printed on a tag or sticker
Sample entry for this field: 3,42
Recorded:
4,01
